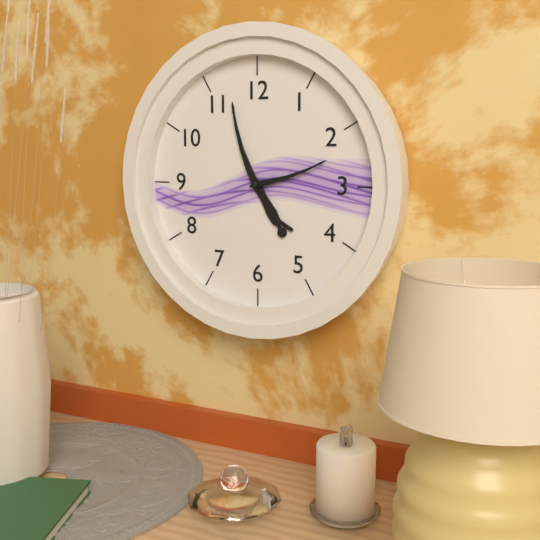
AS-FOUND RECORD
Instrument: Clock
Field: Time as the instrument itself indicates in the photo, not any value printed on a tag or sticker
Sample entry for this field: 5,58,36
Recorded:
4,57,12
